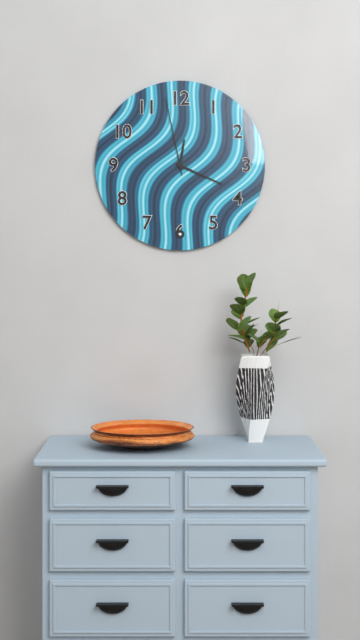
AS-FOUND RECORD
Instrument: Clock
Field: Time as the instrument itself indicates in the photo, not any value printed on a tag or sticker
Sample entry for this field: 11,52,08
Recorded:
12,19,58
